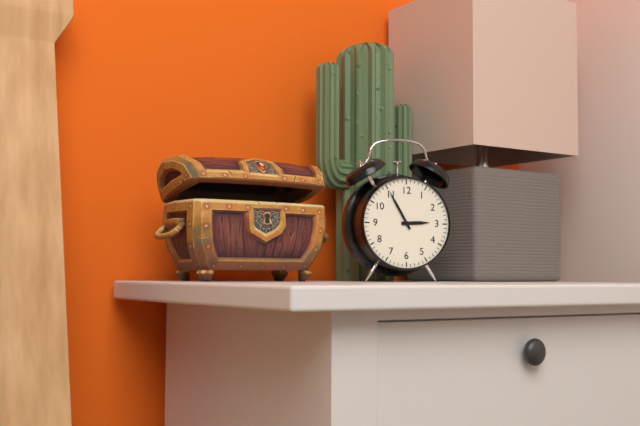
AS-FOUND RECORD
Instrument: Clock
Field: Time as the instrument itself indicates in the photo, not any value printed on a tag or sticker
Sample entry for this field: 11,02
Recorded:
2,55
